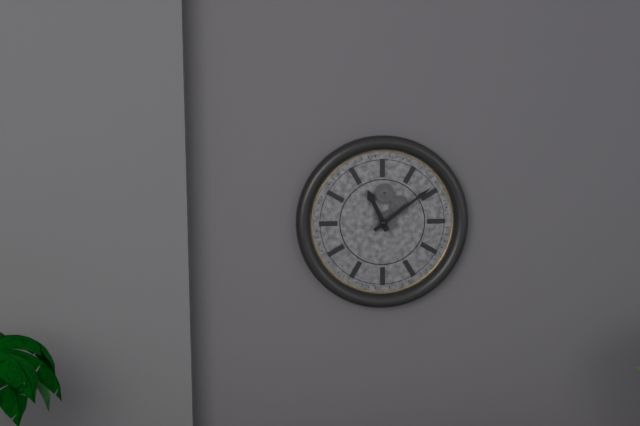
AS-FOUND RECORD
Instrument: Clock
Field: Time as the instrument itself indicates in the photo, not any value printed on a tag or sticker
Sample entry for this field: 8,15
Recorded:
11,09
